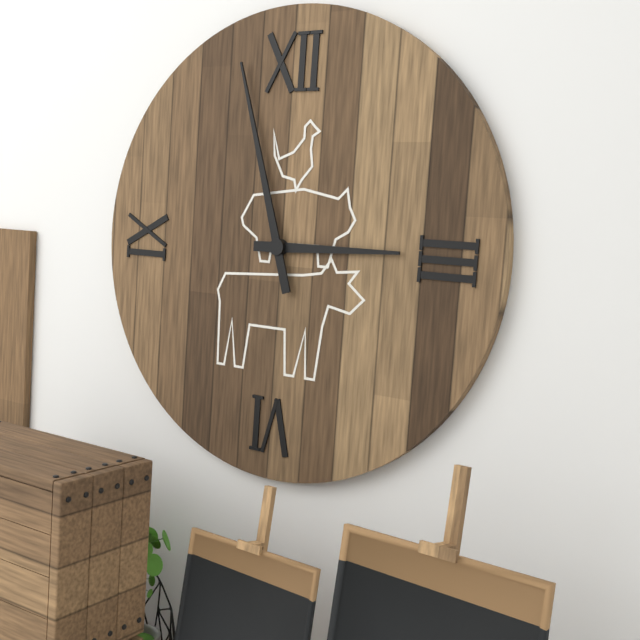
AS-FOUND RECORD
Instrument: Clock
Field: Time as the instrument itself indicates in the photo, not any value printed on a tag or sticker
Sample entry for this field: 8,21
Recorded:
2,57
